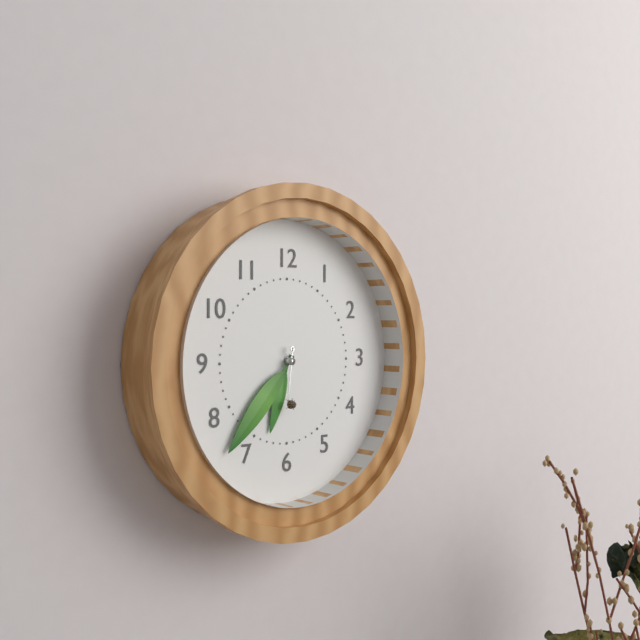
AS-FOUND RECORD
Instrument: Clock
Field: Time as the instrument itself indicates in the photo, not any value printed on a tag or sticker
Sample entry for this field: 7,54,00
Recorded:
6,37,31
